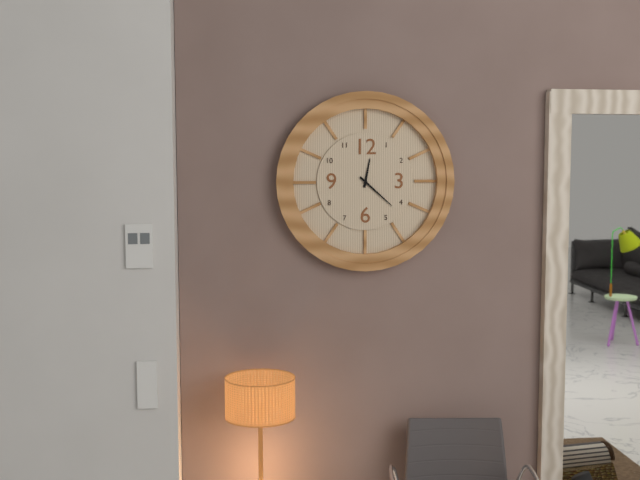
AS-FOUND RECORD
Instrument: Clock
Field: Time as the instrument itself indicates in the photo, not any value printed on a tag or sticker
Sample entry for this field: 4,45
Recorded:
12,22
